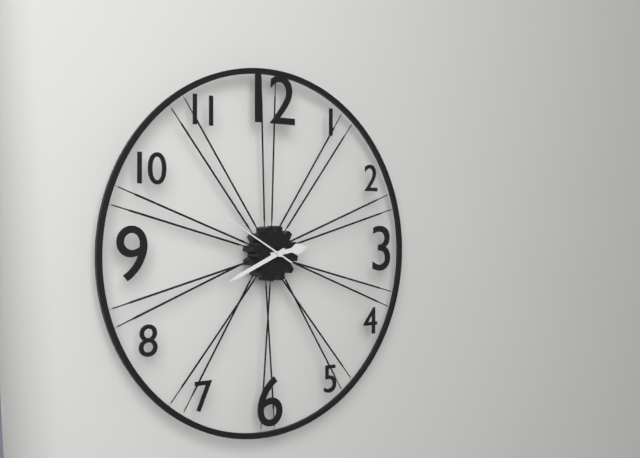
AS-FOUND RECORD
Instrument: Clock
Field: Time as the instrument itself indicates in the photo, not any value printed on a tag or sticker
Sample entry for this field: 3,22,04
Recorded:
2,41,50
